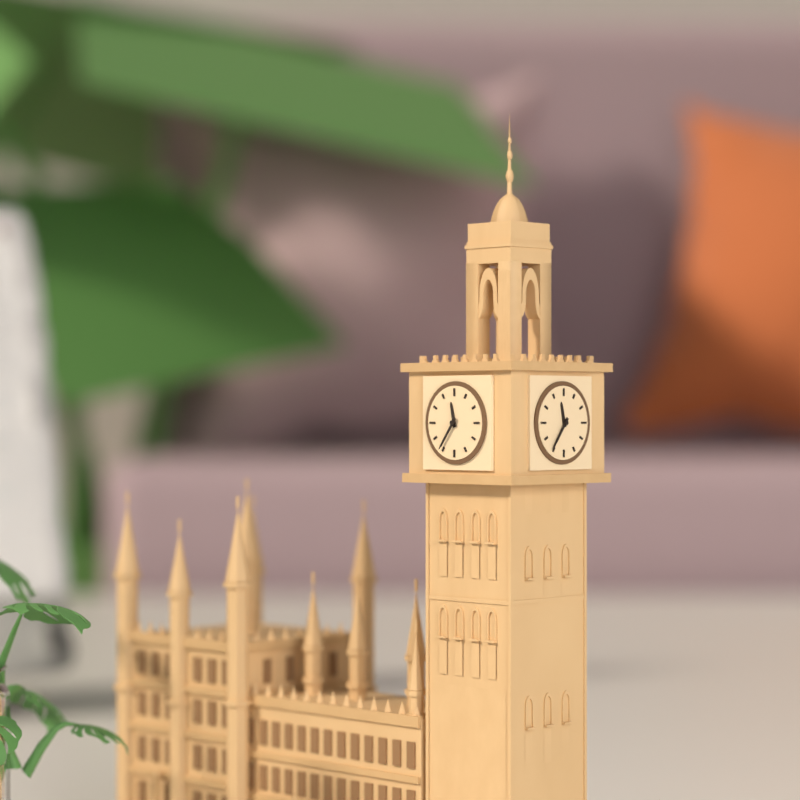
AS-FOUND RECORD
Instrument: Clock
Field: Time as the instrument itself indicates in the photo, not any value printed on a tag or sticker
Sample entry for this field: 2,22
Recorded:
11,36
